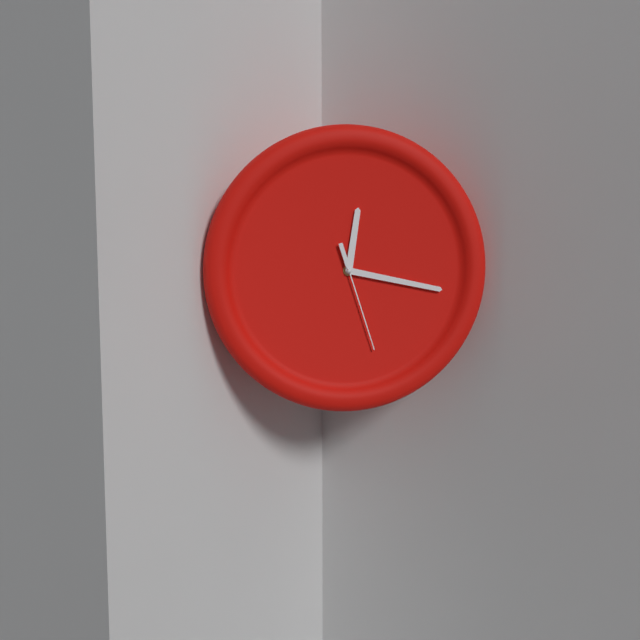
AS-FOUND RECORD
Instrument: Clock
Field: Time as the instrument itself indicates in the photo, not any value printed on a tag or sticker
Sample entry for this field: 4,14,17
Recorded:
12,17,27
